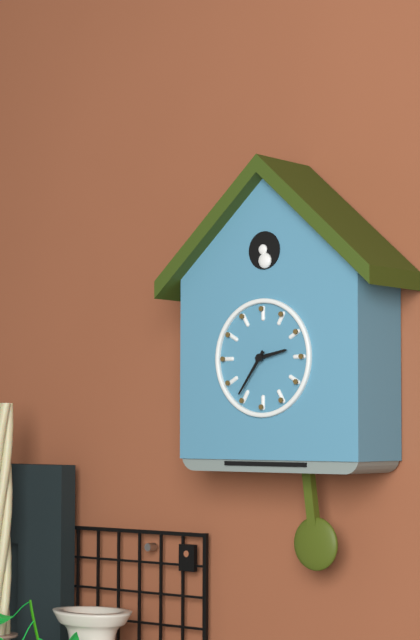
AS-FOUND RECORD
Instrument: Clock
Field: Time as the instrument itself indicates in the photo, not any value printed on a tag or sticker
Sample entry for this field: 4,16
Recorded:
2,36
